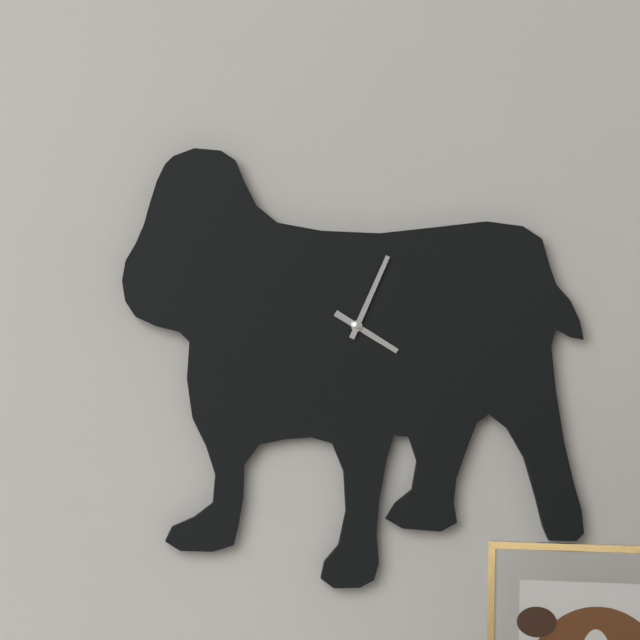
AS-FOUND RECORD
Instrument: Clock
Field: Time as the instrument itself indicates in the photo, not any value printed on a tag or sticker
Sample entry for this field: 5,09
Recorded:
4,04
